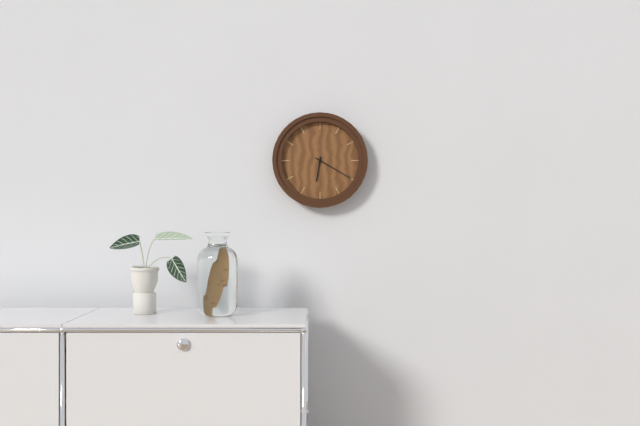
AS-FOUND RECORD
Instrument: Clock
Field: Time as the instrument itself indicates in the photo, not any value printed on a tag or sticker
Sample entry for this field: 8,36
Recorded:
6,20
